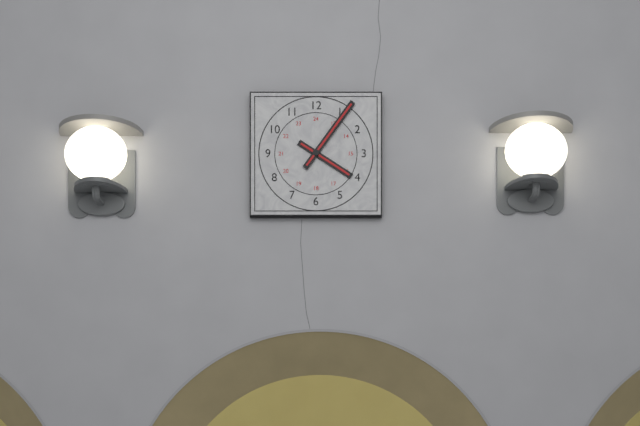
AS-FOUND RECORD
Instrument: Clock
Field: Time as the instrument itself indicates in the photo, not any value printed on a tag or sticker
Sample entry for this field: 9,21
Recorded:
4,06
